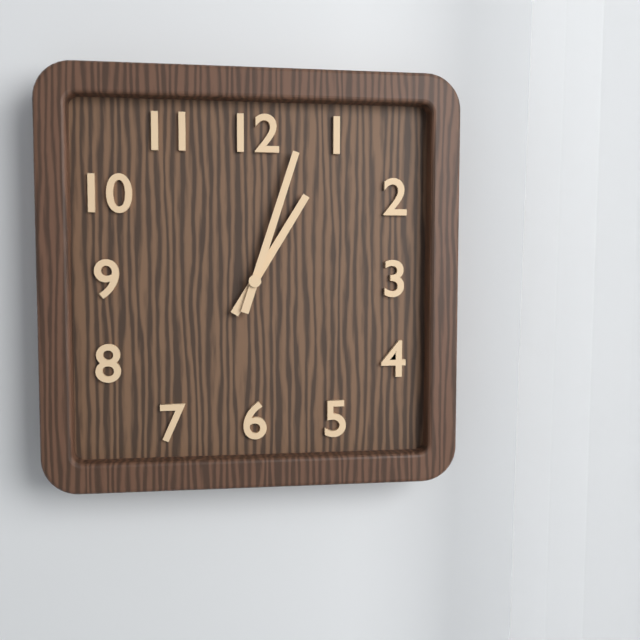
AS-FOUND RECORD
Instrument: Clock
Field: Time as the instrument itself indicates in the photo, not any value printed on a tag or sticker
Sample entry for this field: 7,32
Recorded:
1,03
